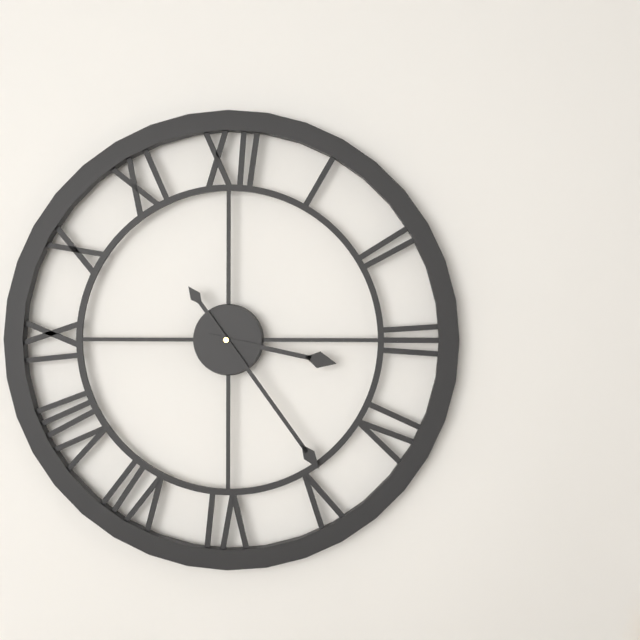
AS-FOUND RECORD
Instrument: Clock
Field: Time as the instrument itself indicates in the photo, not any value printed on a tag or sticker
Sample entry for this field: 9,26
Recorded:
3,24
